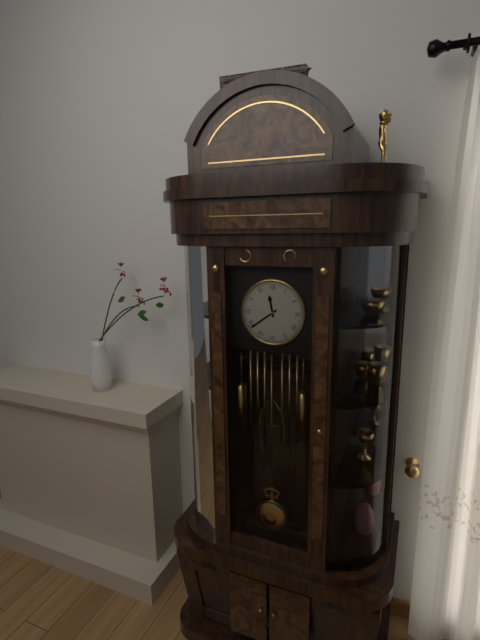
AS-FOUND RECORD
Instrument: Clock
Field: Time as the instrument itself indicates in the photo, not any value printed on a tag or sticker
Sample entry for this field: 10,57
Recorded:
11,39
